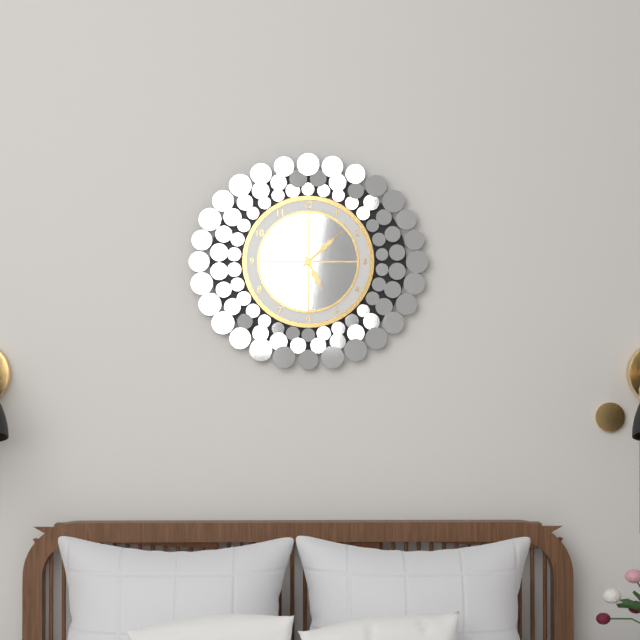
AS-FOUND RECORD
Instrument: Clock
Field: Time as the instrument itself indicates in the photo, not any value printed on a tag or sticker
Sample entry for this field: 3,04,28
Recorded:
5,08,08
